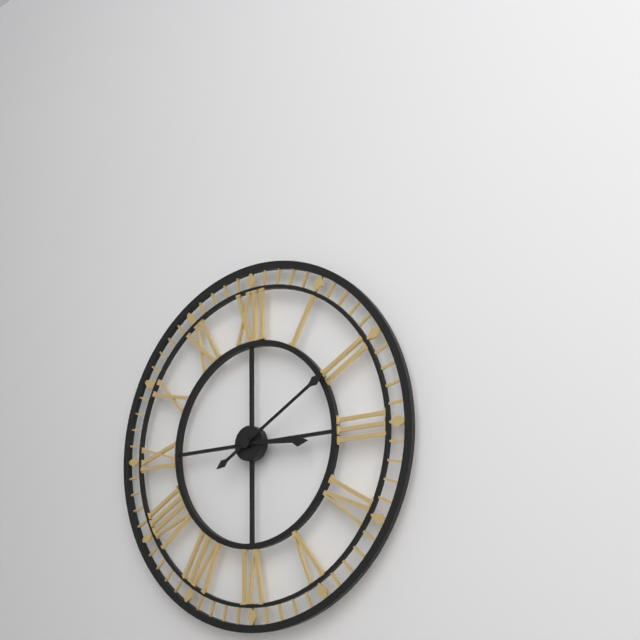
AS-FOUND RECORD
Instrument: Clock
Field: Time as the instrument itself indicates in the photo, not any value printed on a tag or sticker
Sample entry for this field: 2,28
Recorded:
3,10
